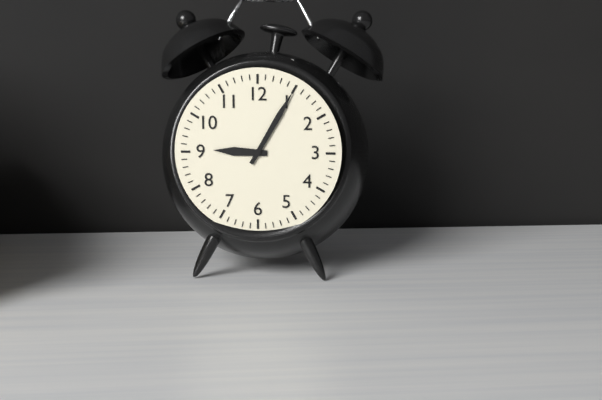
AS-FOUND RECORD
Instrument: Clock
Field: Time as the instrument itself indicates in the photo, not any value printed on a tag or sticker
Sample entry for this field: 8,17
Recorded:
9,05
